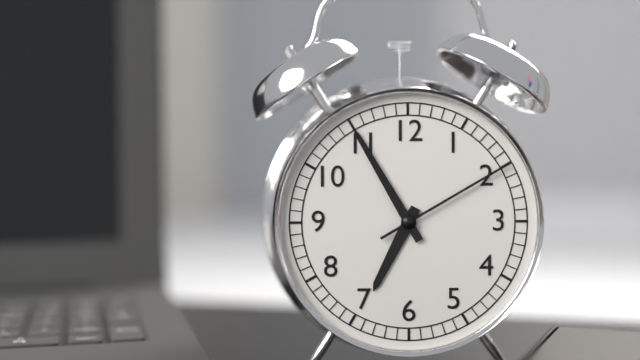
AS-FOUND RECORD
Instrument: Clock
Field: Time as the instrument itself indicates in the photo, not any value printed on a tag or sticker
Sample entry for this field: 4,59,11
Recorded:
6,55,10
